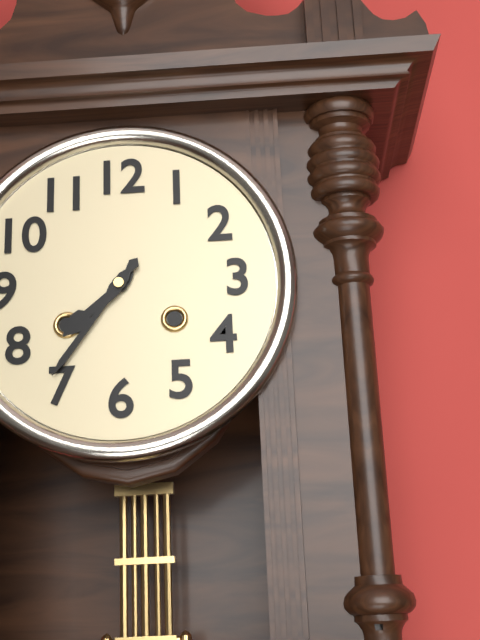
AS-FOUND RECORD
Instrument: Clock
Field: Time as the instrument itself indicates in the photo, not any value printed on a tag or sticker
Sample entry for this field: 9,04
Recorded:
7,36
